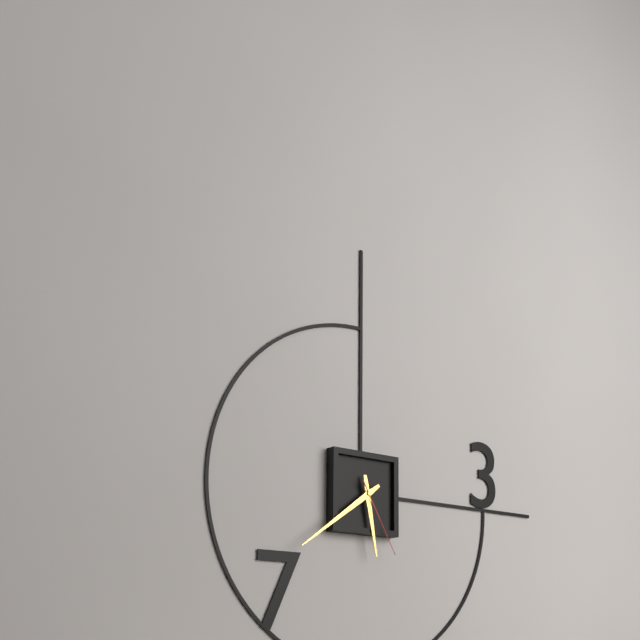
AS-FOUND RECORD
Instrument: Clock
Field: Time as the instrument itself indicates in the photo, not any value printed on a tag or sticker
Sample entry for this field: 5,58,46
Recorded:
5,39,25
